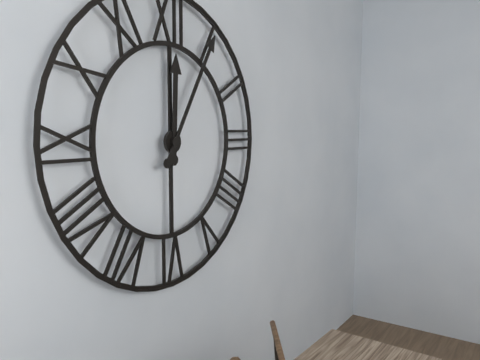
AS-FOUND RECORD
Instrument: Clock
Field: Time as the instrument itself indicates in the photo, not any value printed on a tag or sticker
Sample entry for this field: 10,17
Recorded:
12,05
